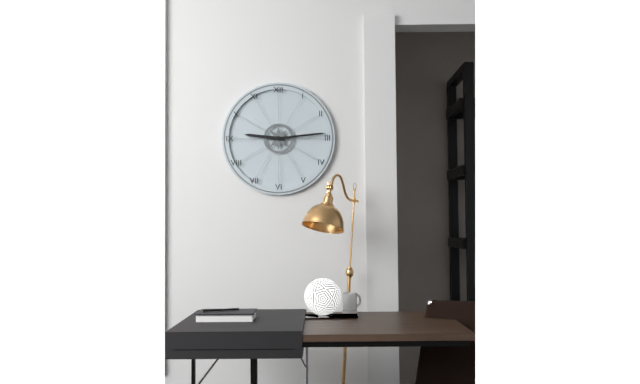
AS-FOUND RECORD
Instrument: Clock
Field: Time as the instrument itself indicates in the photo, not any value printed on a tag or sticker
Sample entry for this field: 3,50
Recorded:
9,14
